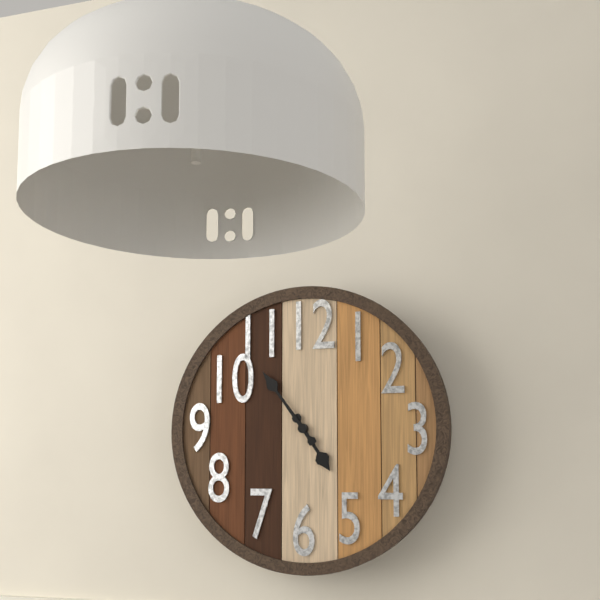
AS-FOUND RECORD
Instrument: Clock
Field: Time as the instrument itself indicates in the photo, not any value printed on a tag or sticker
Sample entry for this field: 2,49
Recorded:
4,54
